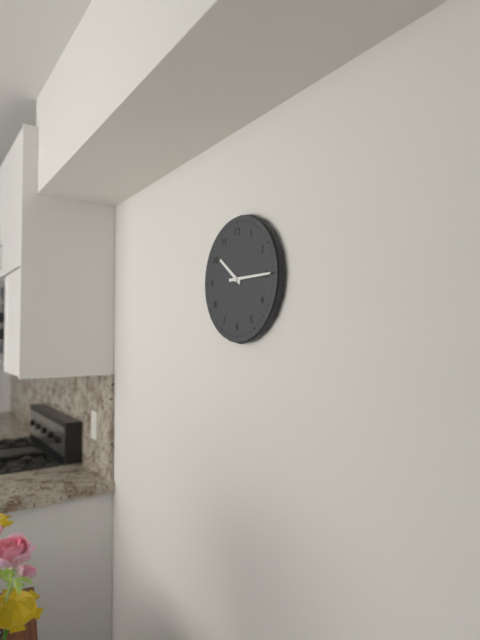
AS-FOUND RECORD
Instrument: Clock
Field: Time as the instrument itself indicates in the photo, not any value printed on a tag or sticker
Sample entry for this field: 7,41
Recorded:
10,15
